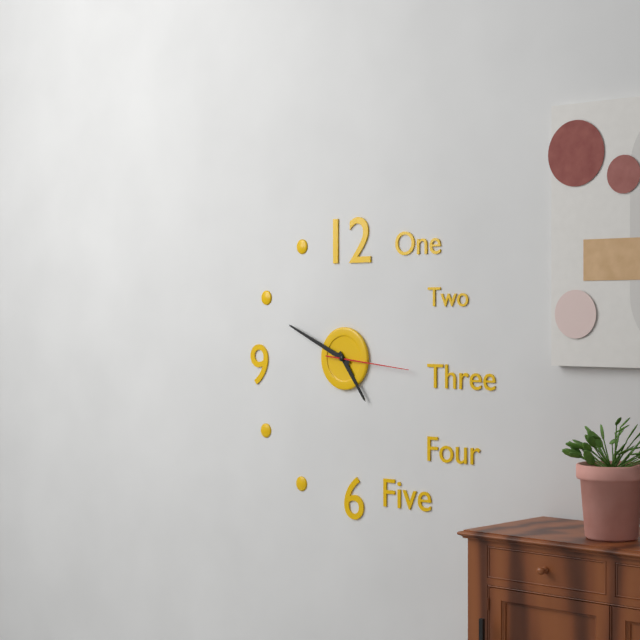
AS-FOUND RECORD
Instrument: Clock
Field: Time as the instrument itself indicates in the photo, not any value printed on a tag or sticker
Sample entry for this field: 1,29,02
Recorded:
4,49,16
